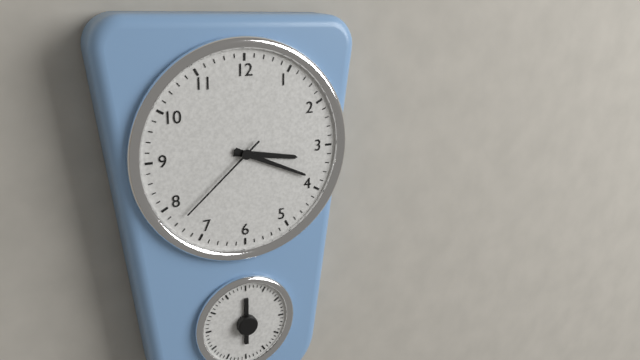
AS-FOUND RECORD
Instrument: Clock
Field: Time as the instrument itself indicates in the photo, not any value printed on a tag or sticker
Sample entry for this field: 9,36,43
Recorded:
3,19,38
